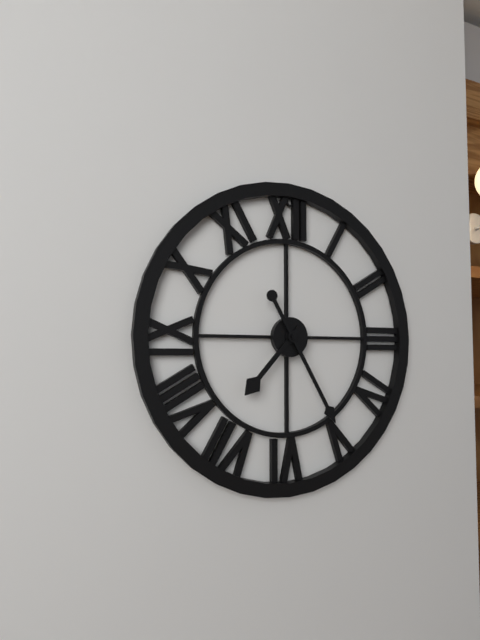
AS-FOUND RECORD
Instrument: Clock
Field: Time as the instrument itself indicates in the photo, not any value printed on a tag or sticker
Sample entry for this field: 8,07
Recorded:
7,25
